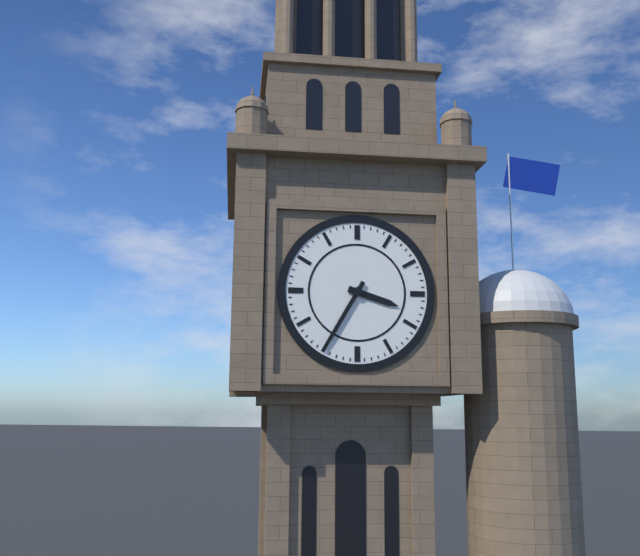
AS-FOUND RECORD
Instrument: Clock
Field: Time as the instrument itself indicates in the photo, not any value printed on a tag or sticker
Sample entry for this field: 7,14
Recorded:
3,35
